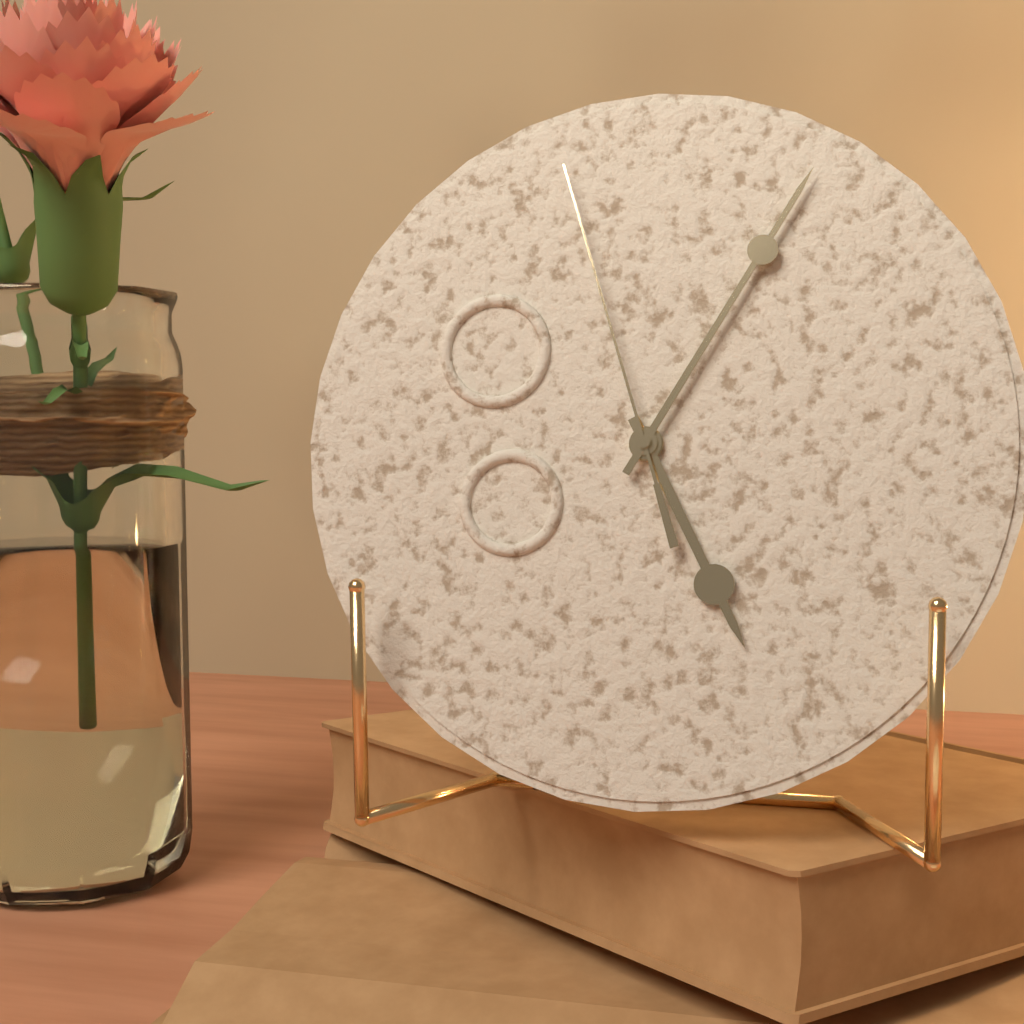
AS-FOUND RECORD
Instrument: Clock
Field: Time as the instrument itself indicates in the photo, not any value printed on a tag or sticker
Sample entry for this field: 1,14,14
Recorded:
5,05,57
